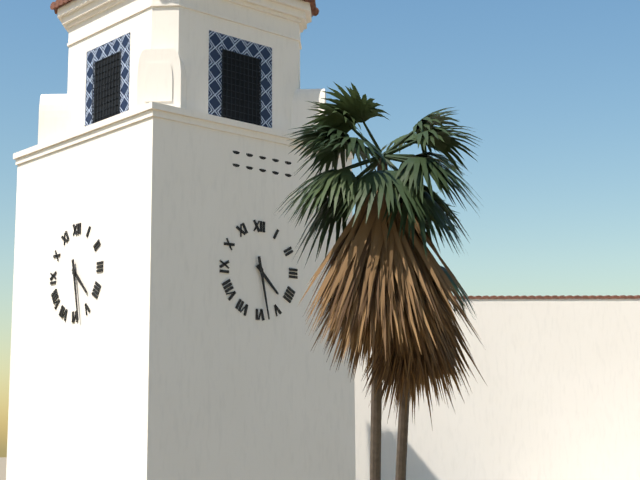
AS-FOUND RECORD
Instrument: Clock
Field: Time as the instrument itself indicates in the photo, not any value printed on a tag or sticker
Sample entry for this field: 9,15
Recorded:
4,28
